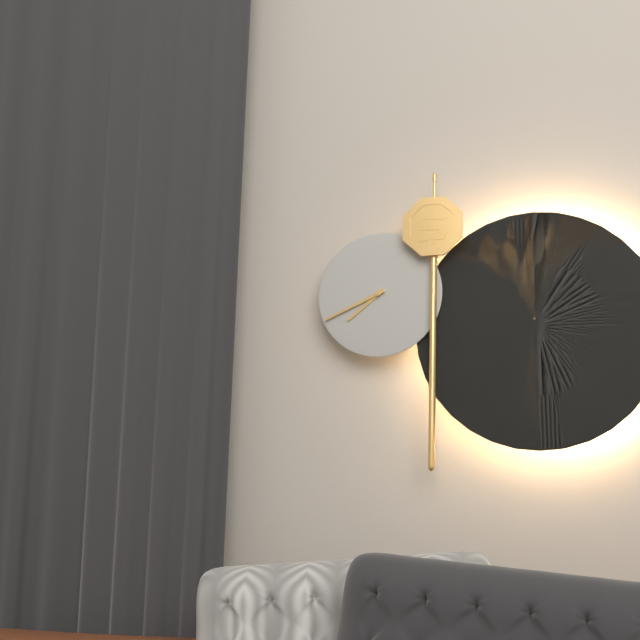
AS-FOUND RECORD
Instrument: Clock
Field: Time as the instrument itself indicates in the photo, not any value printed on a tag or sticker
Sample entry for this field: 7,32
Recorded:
7,41
